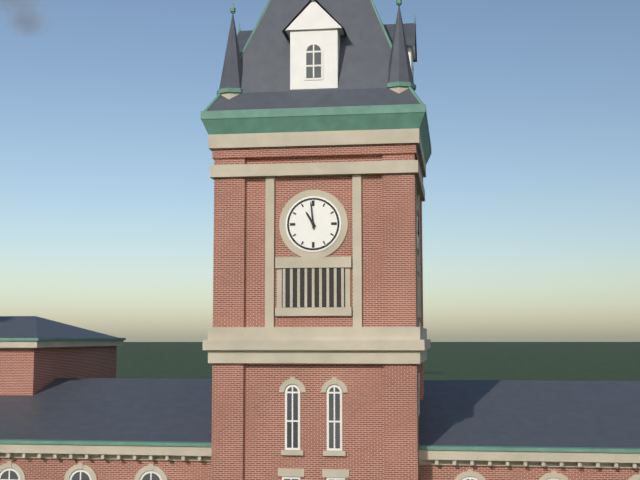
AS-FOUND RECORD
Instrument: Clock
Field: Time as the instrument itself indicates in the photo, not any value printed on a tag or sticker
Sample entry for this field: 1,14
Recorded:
10,59
